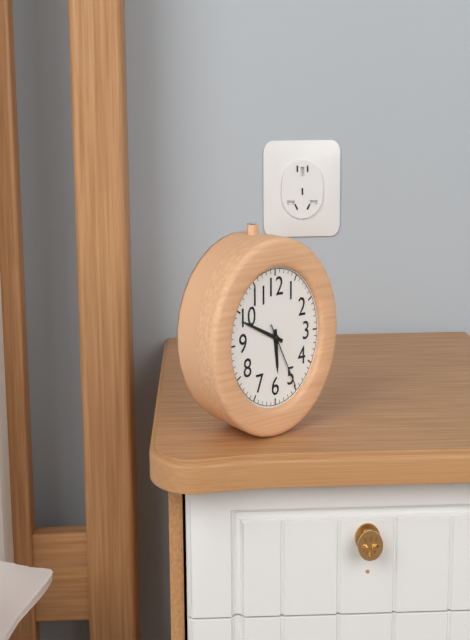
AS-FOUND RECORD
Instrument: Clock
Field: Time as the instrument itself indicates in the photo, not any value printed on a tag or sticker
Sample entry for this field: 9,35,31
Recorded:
5,49,25
